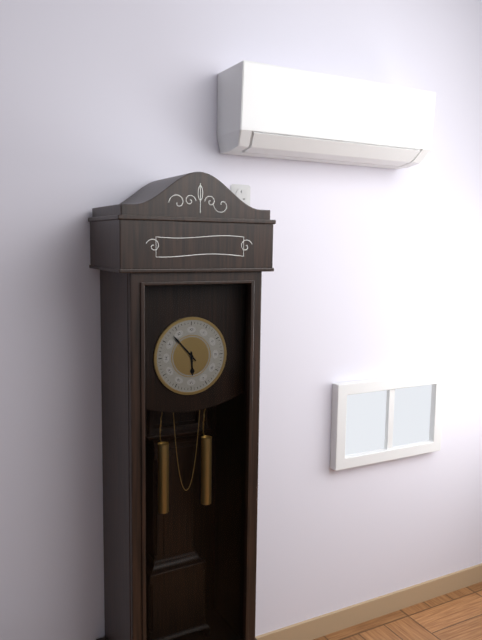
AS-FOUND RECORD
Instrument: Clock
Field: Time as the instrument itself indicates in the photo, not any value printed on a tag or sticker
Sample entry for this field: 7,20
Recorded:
5,53
